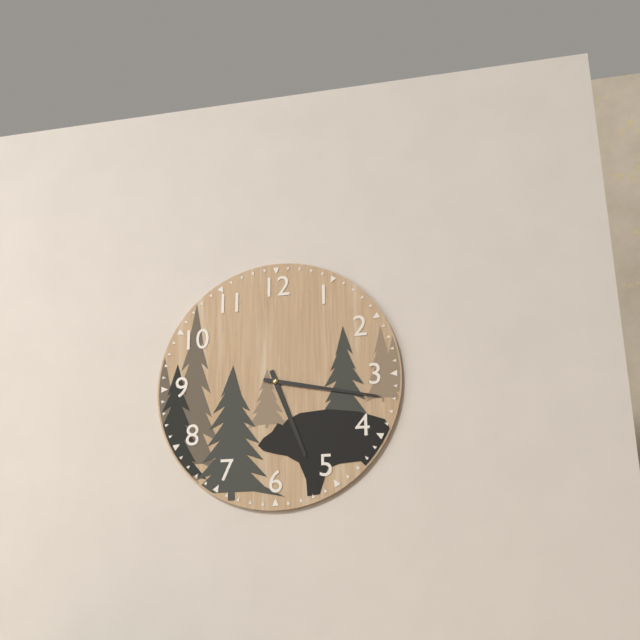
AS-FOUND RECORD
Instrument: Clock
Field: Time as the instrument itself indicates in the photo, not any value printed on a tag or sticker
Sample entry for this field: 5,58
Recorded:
5,17
